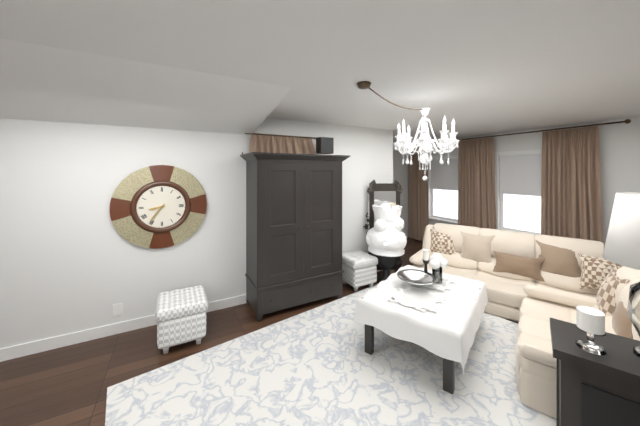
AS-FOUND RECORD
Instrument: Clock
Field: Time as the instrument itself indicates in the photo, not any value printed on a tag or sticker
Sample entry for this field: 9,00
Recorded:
8,36
